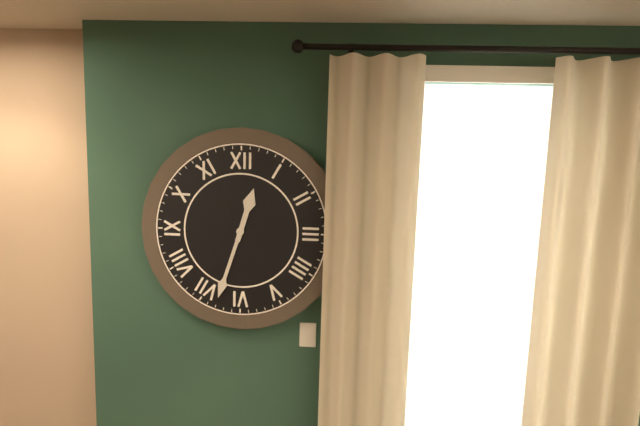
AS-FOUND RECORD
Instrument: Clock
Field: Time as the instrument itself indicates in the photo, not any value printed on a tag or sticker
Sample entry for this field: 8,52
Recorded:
12,33
